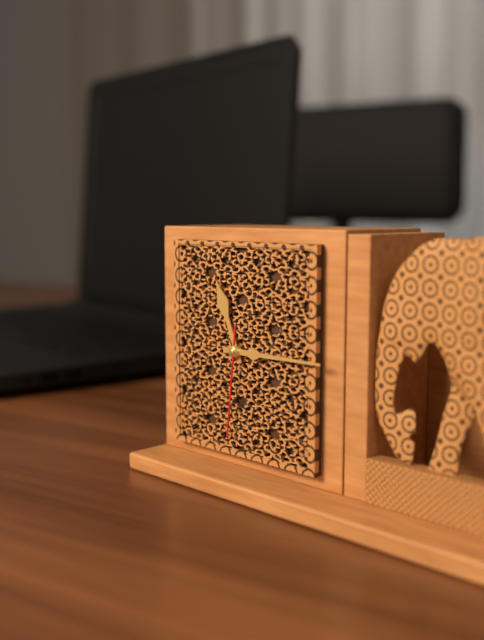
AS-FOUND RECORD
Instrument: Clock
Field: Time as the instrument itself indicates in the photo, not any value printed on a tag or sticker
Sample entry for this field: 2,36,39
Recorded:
11,15,31
